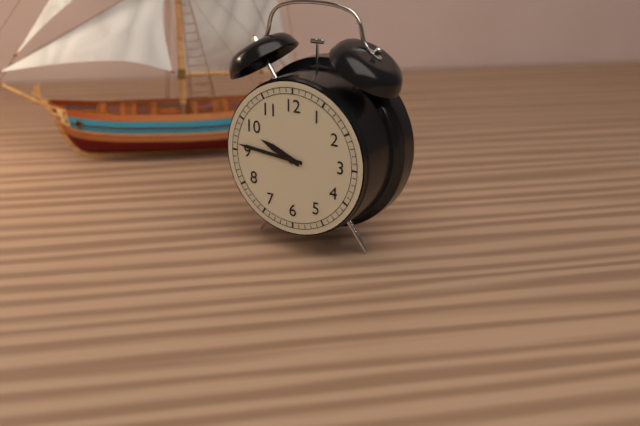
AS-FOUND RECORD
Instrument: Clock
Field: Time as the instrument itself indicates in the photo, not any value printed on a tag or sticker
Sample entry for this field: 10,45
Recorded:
9,46
